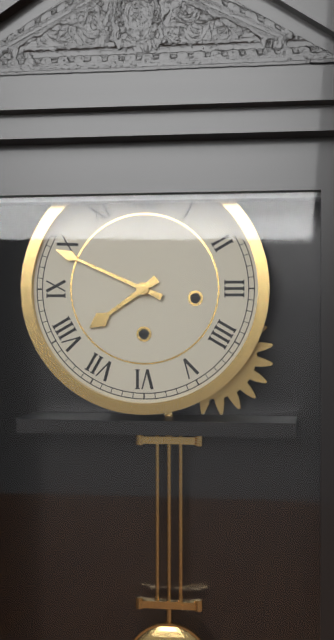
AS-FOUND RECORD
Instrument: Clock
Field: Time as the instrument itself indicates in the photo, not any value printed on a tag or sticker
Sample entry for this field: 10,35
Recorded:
7,49
